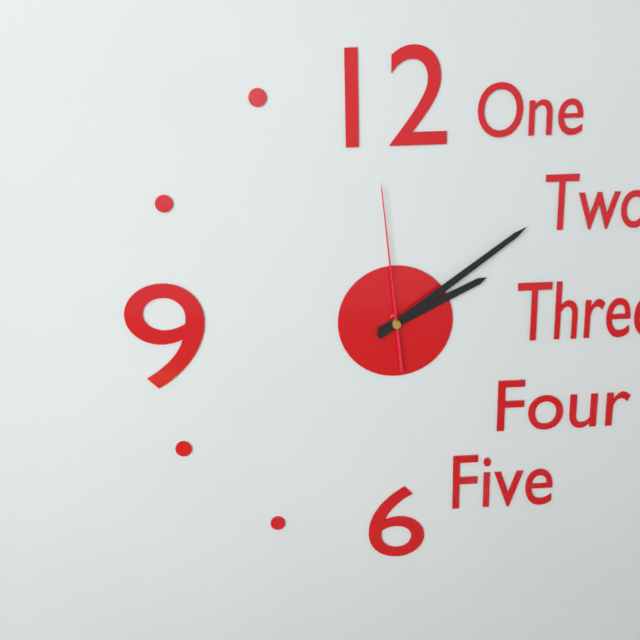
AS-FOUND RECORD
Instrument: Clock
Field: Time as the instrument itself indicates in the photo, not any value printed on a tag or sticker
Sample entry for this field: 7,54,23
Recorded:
2,09,59
